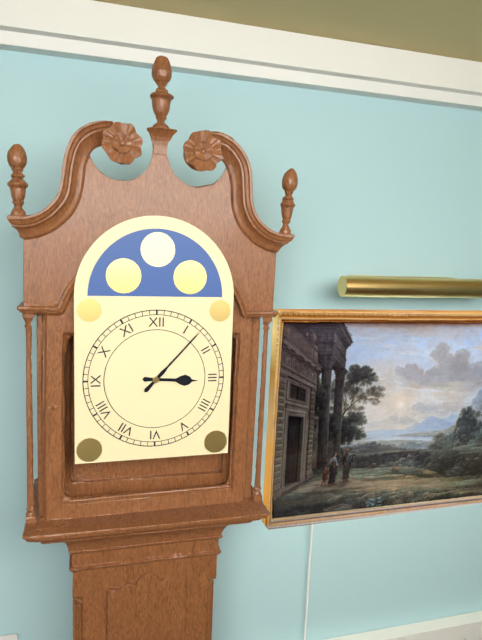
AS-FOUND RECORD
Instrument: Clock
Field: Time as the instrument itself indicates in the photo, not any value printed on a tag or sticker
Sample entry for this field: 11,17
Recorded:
3,07
